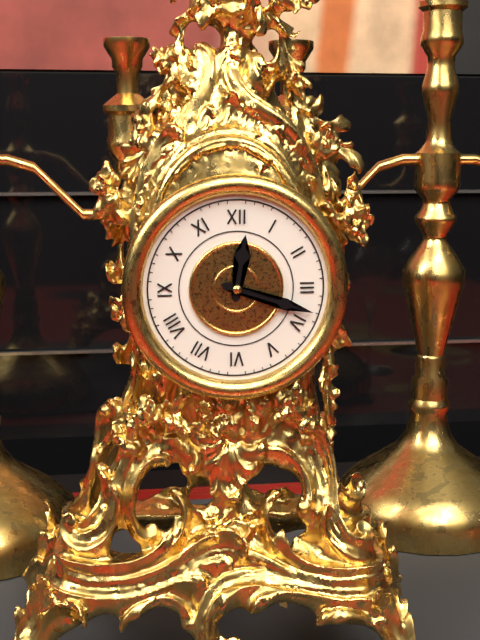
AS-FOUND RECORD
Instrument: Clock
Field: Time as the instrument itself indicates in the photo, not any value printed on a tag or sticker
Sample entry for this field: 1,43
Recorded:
12,18
